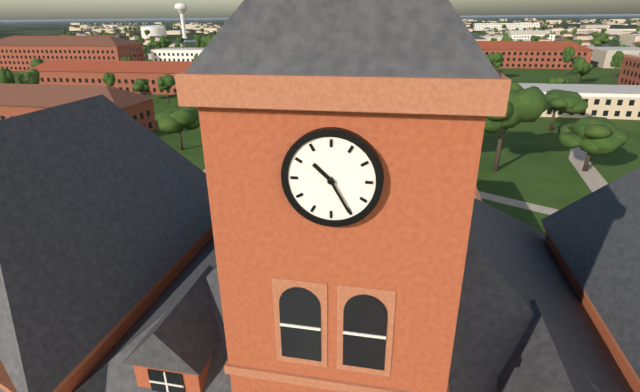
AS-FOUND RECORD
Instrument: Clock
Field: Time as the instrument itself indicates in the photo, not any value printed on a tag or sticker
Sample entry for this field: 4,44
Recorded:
10,25
